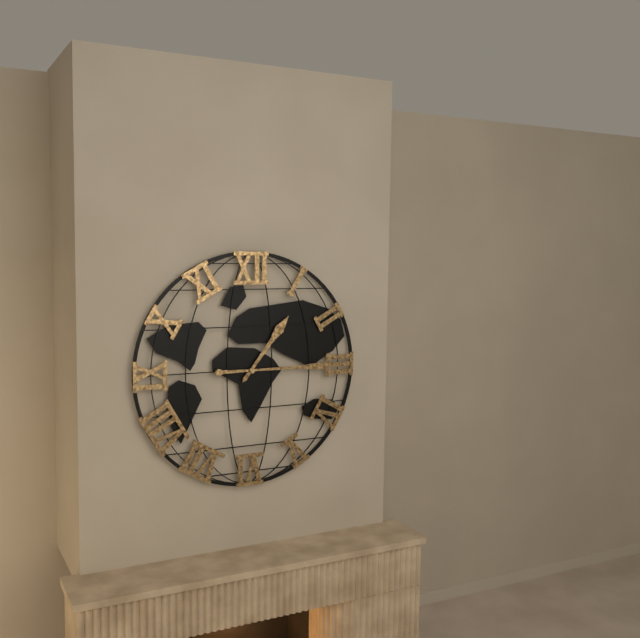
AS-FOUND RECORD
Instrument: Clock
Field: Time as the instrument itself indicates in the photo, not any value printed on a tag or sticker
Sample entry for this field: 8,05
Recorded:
1,15
